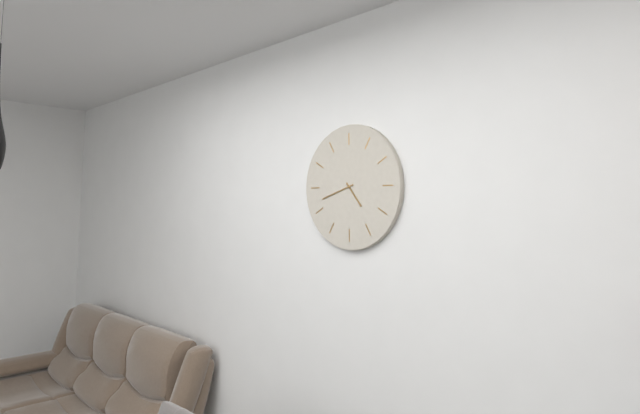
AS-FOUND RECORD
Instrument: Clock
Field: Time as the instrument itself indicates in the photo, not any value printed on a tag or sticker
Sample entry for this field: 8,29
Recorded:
4,42
